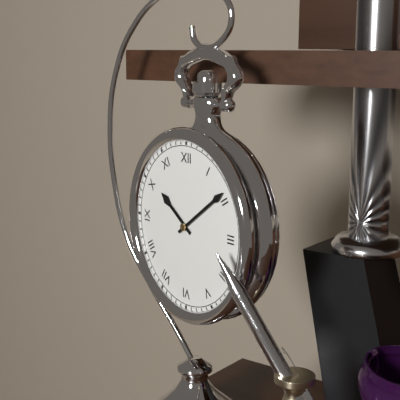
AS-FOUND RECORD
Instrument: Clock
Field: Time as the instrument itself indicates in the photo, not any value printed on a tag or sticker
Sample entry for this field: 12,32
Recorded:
10,09
